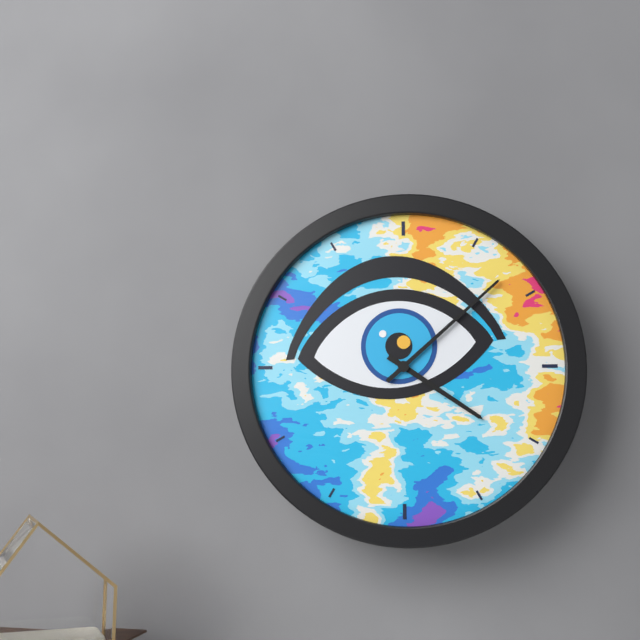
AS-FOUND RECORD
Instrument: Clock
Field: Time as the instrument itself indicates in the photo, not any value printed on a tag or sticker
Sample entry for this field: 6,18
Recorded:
4,08
